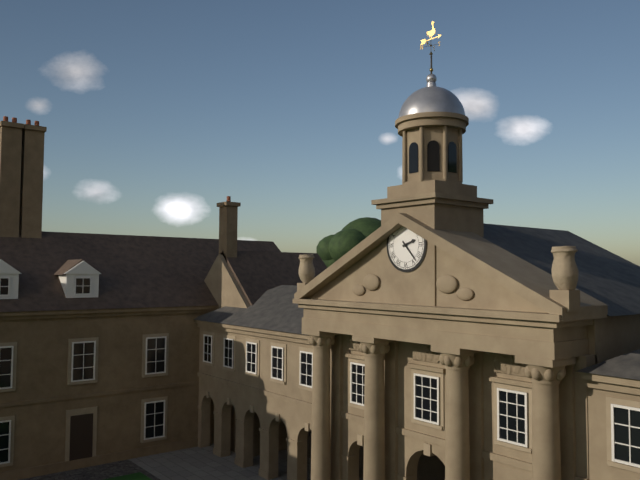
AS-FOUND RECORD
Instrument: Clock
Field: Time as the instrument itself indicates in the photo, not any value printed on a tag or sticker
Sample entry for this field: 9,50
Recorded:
2,23
